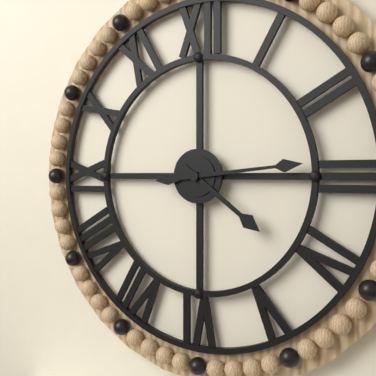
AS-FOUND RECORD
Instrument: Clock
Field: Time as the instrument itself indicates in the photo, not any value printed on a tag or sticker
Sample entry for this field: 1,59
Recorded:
4,14
